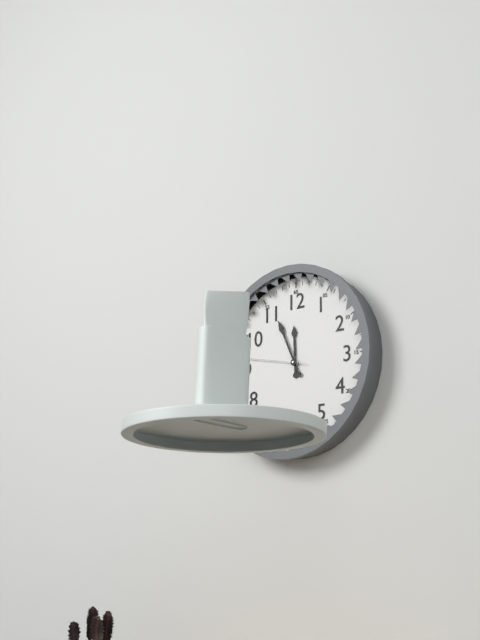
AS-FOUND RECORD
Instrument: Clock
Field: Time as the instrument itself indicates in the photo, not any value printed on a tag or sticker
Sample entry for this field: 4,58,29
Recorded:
11,56,47
